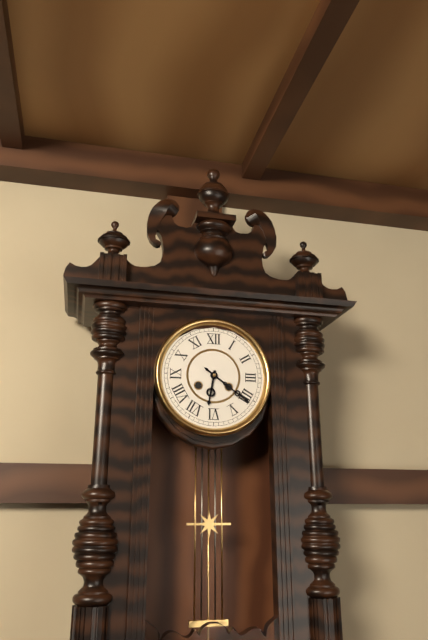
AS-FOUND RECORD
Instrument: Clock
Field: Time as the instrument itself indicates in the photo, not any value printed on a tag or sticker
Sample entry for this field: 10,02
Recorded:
6,21
